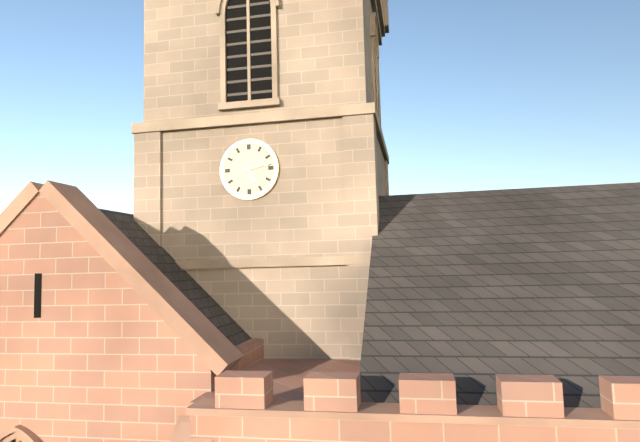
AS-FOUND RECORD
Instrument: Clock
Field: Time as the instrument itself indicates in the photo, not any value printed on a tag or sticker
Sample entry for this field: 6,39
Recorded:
5,13
